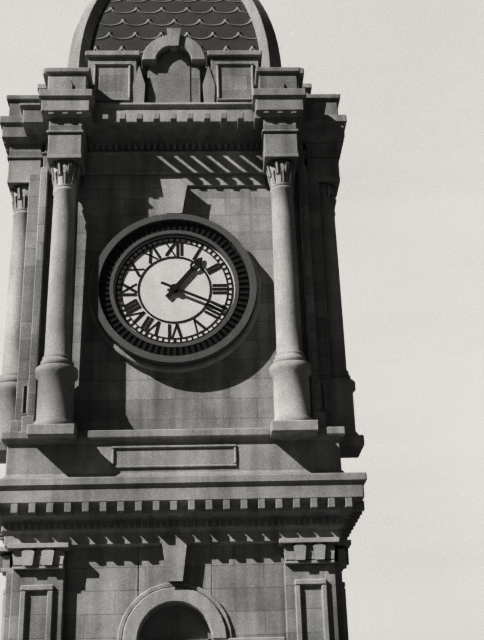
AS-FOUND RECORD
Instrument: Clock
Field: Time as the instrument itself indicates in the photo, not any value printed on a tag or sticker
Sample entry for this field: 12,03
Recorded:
1,19
